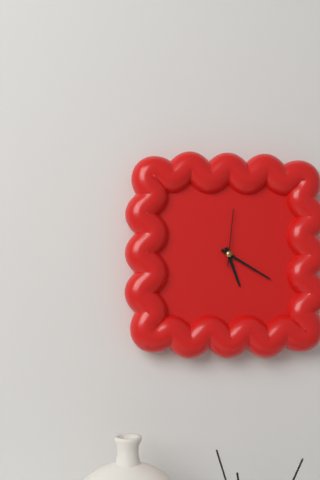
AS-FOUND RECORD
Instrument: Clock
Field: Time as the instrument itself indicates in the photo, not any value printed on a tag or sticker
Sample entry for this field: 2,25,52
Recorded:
5,20,01
